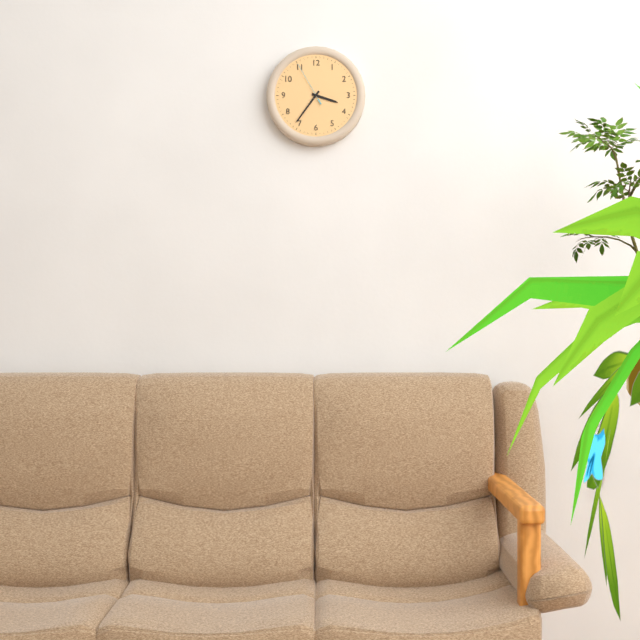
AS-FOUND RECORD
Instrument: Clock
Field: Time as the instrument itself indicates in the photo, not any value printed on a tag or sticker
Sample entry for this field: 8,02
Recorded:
3,36
